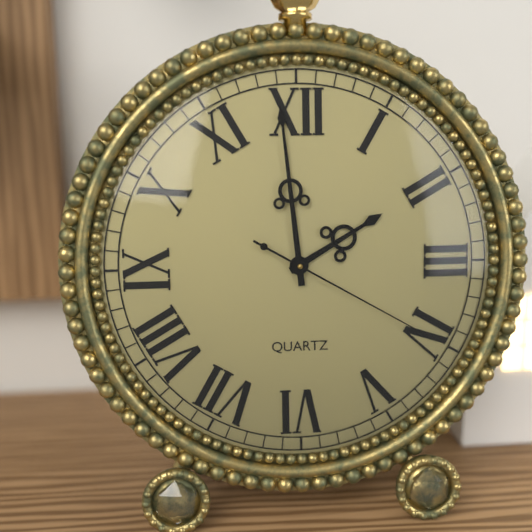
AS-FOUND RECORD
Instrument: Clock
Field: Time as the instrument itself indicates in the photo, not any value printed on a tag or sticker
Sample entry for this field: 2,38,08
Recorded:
1,59,20
